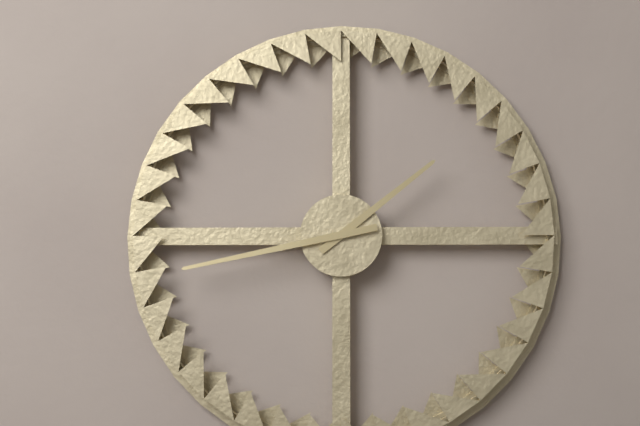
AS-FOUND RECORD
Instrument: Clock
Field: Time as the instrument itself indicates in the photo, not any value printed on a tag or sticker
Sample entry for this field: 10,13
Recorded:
1,43
